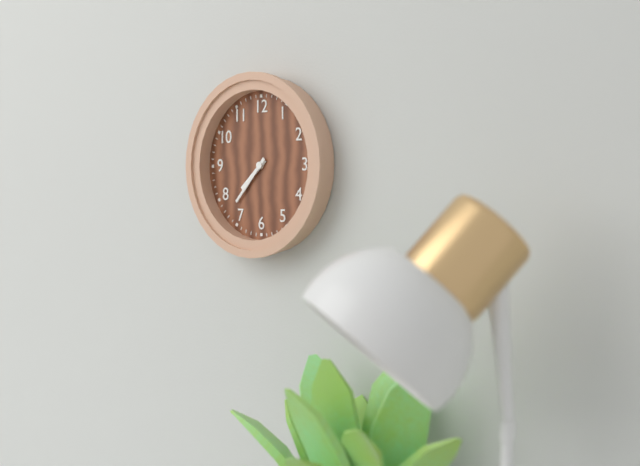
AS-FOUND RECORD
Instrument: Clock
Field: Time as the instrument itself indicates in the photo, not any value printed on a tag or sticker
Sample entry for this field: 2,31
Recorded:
7,37
